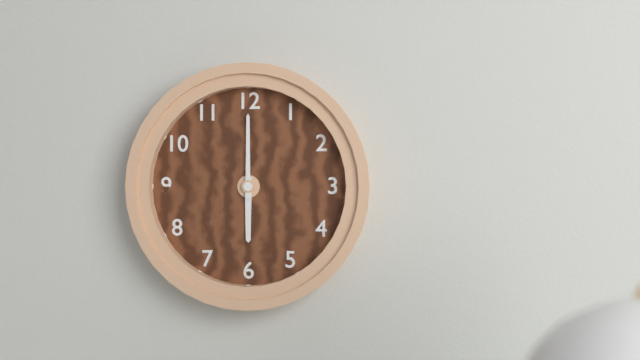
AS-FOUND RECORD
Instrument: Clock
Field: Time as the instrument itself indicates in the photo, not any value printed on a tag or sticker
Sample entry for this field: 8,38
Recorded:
6,00
